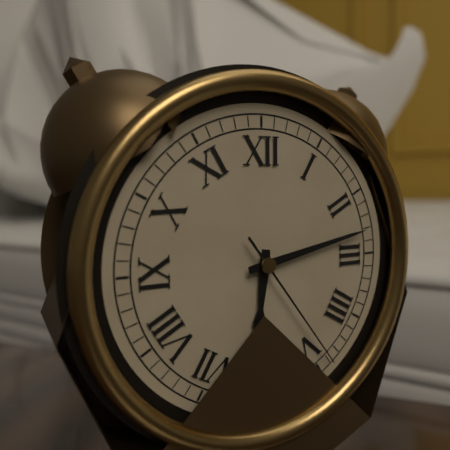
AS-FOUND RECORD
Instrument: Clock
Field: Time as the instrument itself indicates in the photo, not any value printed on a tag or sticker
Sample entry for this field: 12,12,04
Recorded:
6,13,24
